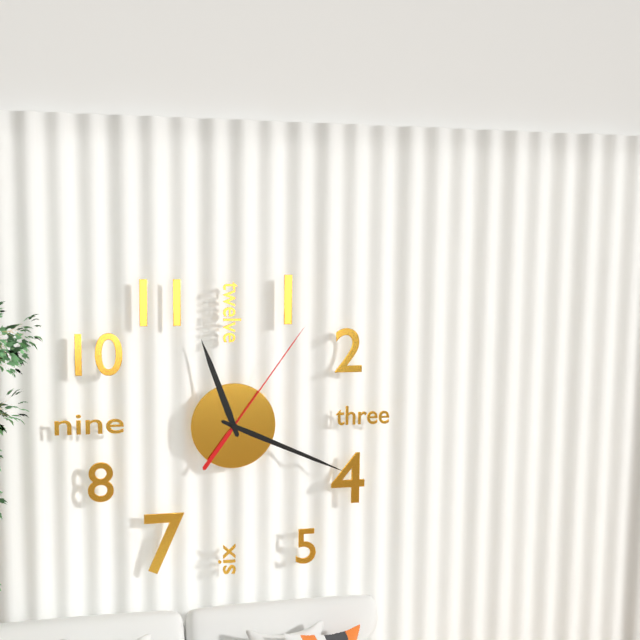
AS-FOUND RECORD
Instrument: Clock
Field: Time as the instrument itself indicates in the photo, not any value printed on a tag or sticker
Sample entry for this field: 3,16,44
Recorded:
11,19,06
